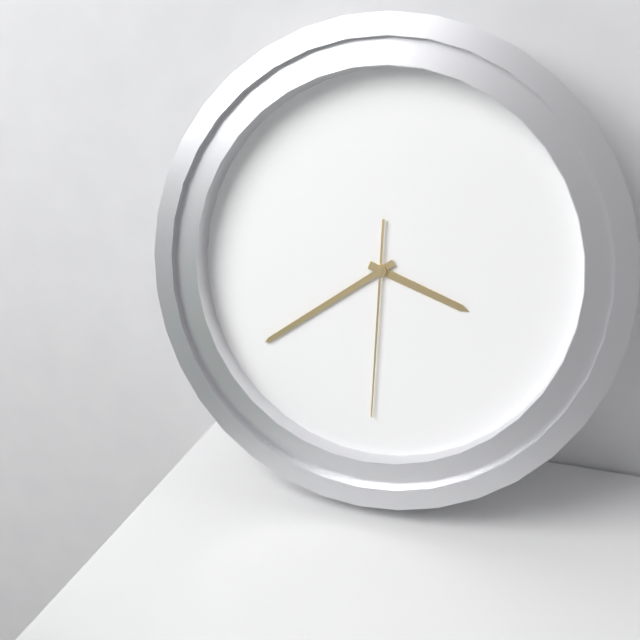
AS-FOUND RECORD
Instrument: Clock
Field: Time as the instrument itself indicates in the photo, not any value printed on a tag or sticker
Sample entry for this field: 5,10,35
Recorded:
3,39,30
